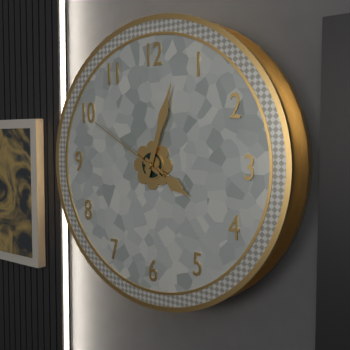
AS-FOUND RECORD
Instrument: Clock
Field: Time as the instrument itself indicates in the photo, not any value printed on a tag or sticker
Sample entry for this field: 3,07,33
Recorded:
4,03,50
